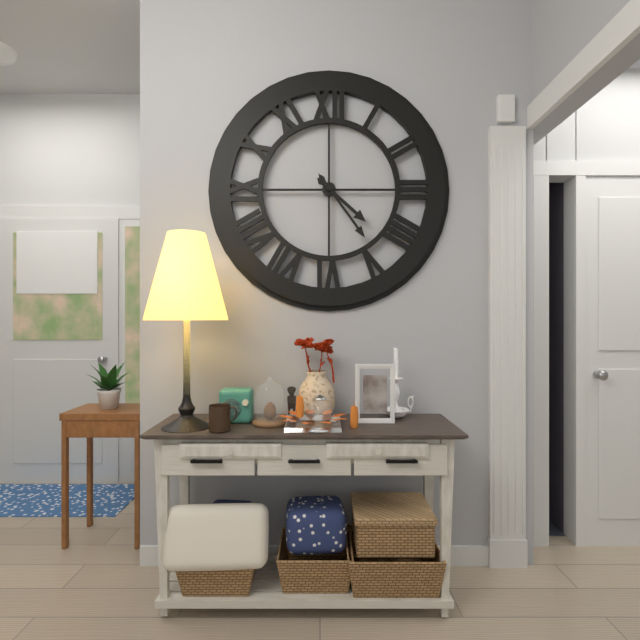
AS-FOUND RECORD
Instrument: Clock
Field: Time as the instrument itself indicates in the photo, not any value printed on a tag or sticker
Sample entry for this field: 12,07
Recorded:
4,24
